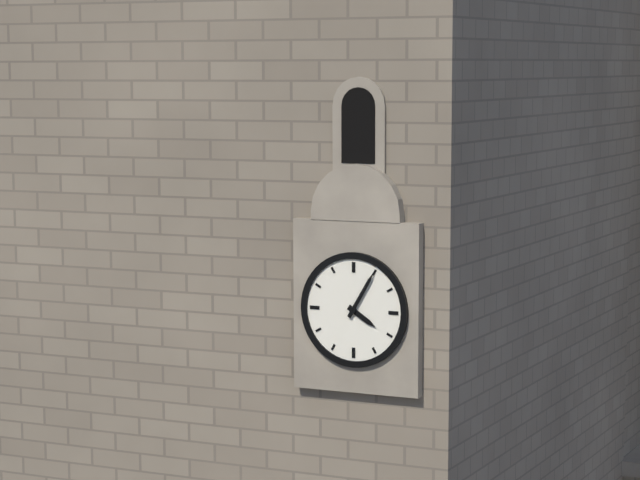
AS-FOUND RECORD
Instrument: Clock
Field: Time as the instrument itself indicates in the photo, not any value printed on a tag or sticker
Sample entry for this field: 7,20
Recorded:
4,05
